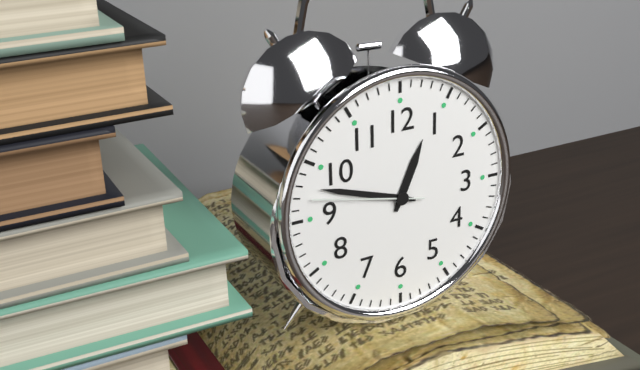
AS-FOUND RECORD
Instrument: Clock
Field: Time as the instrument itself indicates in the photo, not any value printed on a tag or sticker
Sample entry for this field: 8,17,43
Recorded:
12,48,47
